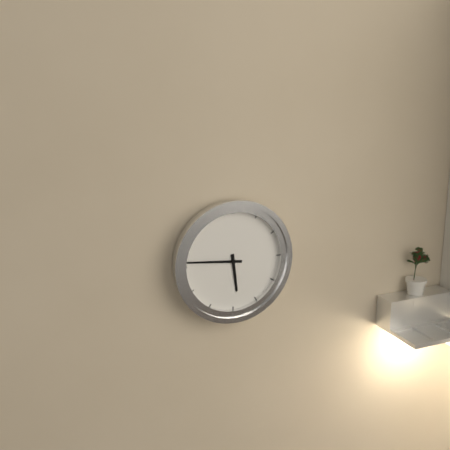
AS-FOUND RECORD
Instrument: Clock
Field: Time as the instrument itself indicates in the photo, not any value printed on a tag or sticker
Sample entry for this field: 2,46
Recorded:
5,46
